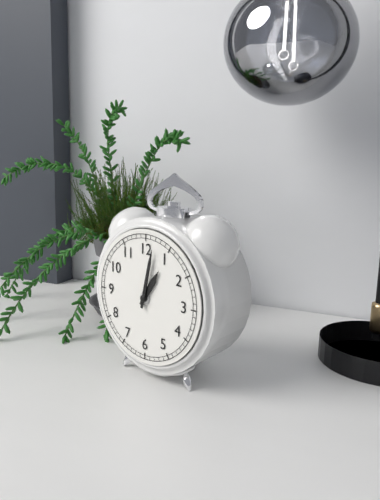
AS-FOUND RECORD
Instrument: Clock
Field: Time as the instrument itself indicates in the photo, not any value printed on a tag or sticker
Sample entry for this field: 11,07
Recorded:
1,02
